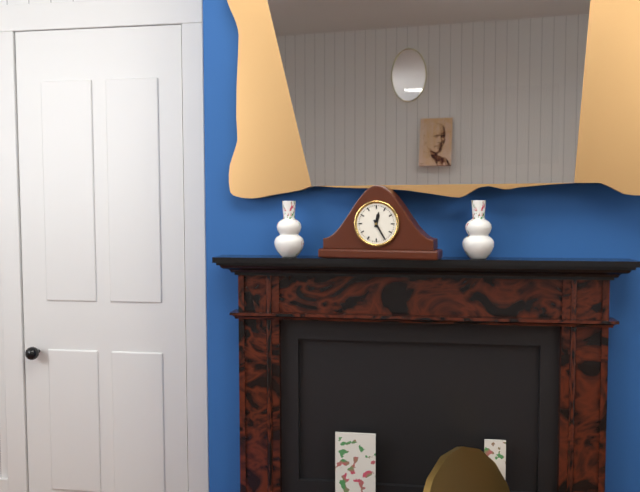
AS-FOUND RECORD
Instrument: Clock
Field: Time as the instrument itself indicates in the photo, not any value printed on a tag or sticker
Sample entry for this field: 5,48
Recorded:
12,25
